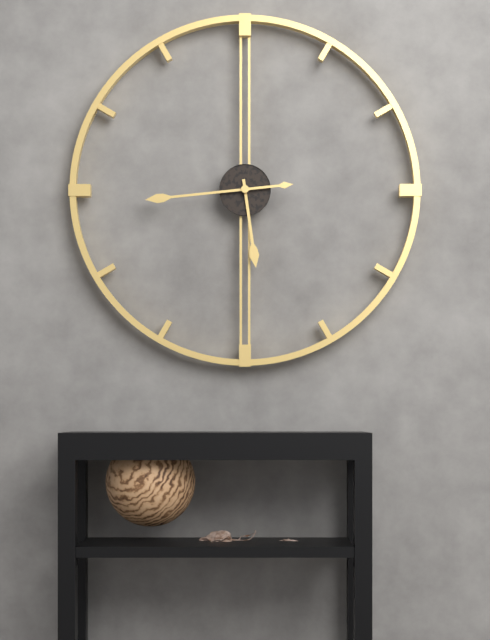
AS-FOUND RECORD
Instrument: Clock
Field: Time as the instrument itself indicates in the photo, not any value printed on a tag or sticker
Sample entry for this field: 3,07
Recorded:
5,44
